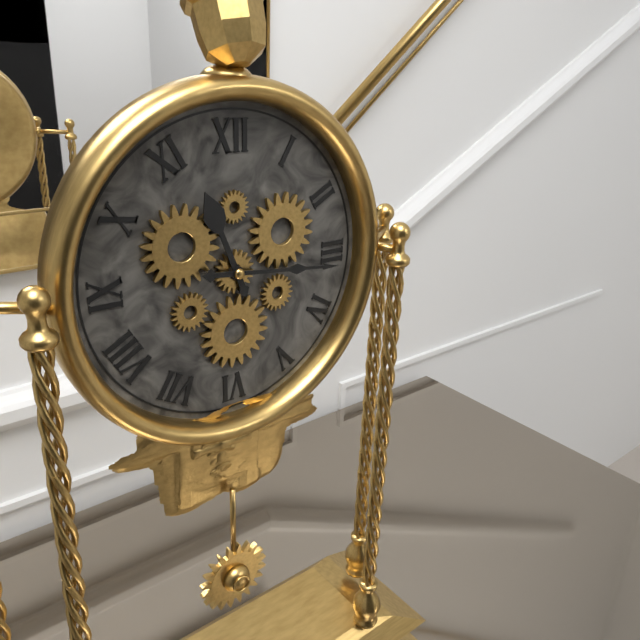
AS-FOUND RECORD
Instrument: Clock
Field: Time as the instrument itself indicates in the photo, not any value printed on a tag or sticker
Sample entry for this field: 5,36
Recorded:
11,16
